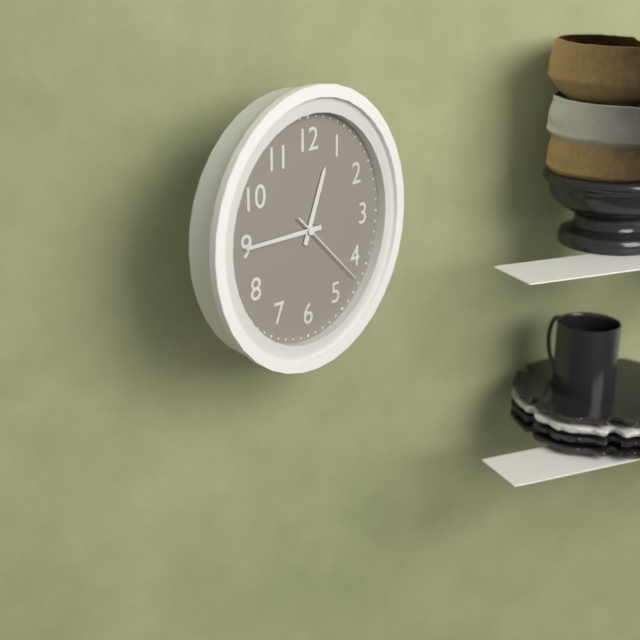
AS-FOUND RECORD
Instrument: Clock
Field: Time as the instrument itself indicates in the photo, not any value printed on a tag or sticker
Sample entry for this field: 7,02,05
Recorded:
12,45,22
